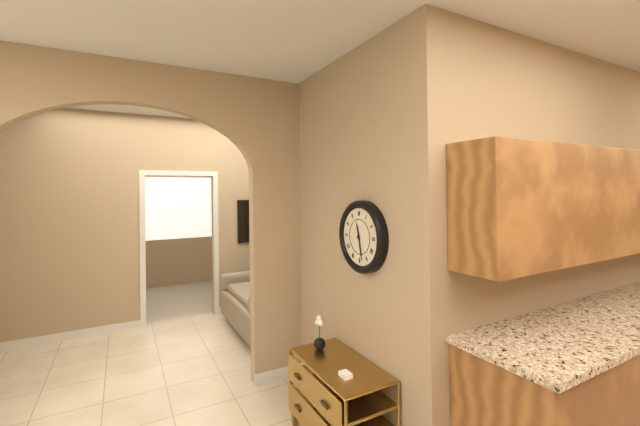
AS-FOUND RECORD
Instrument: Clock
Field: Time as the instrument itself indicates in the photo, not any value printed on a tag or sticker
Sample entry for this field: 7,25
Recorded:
11,28
